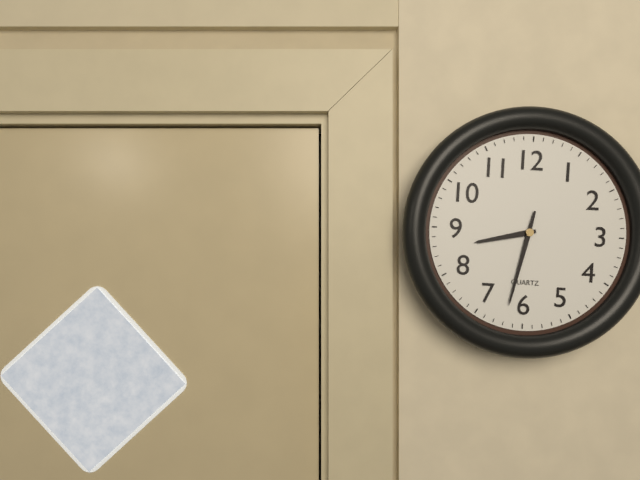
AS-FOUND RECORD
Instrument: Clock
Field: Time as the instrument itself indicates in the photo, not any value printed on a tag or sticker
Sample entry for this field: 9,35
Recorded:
8,32
